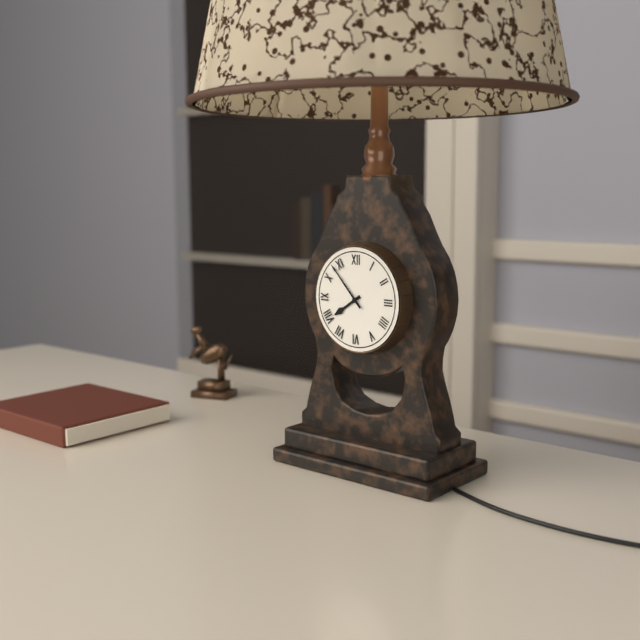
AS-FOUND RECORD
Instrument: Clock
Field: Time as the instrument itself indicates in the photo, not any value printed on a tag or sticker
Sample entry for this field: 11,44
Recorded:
7,53
